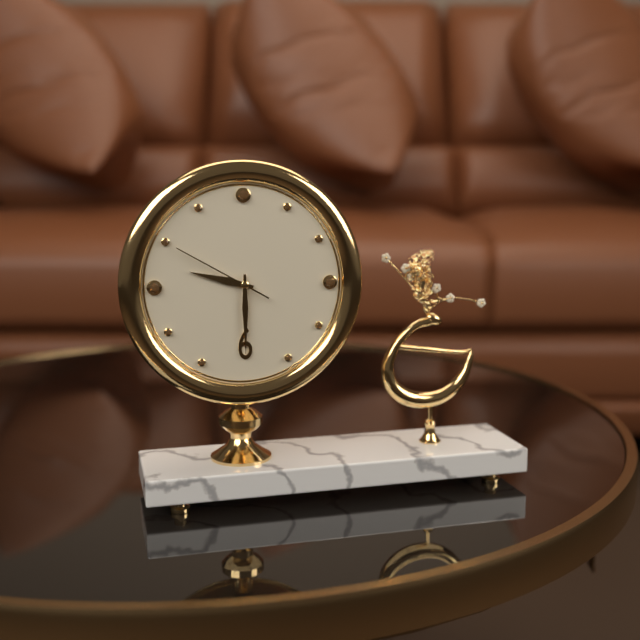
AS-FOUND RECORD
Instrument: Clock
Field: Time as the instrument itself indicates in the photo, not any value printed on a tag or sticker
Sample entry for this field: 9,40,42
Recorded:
9,30,50
